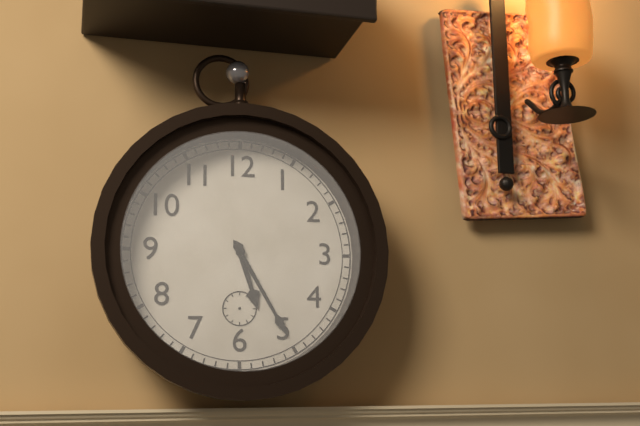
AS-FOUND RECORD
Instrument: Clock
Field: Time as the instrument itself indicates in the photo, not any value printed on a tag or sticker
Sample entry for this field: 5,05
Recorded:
5,25
